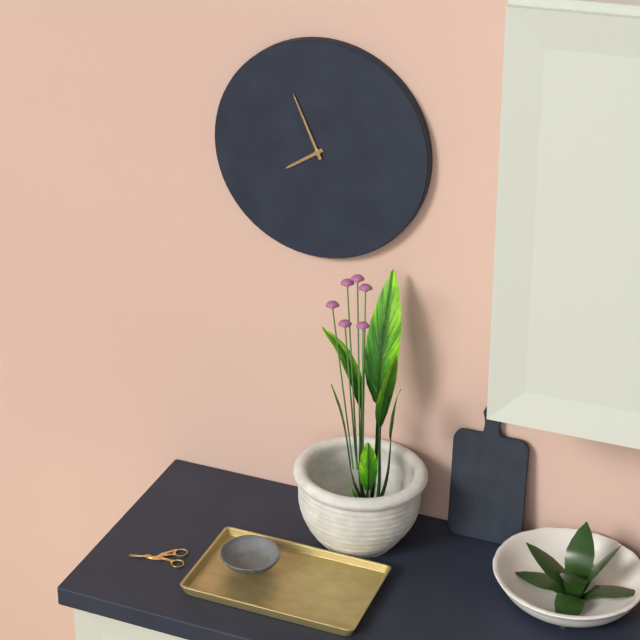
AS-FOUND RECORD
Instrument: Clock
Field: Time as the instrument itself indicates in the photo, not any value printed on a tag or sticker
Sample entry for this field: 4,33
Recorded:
7,56
